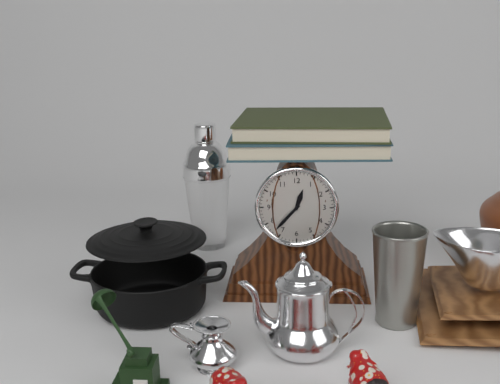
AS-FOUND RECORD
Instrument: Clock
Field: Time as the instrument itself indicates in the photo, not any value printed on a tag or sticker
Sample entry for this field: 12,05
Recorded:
12,37
